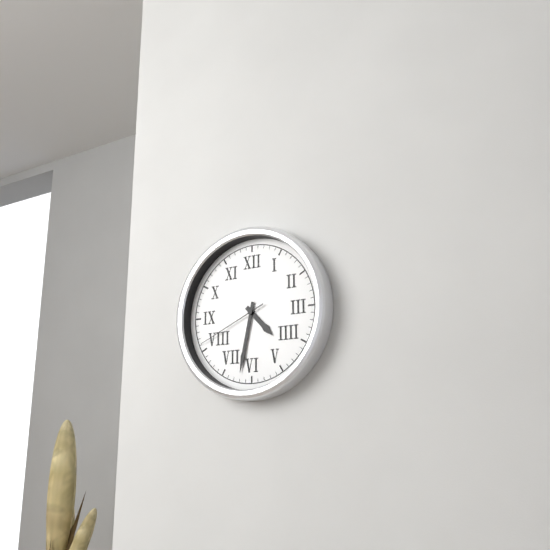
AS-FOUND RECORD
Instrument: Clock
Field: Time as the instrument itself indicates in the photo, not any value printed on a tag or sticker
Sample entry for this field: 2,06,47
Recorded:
4,32,41
